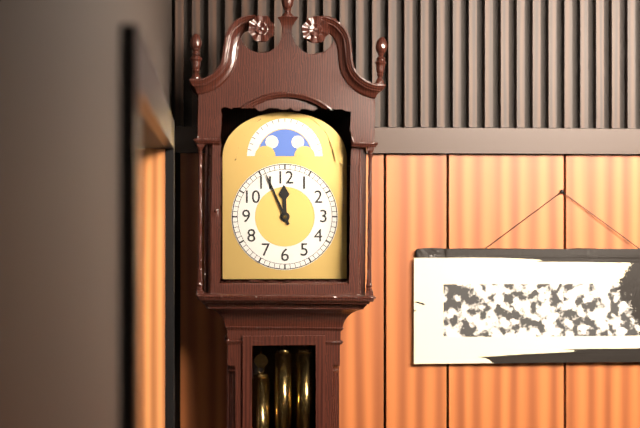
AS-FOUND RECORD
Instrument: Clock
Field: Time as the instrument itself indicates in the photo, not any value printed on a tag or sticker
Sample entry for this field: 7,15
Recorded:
11,56
